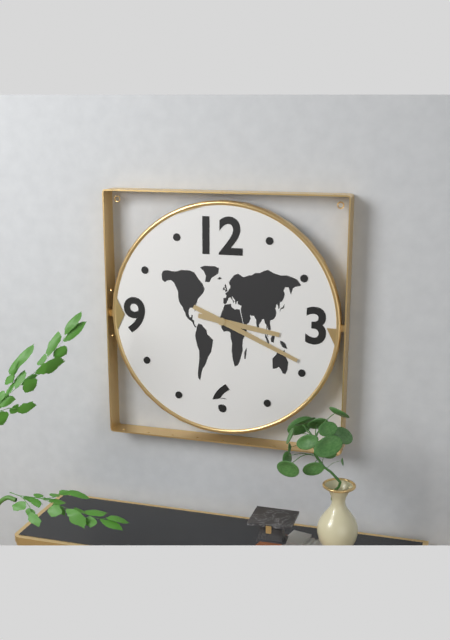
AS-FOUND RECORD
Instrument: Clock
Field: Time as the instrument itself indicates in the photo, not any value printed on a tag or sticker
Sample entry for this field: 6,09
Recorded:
3,19
